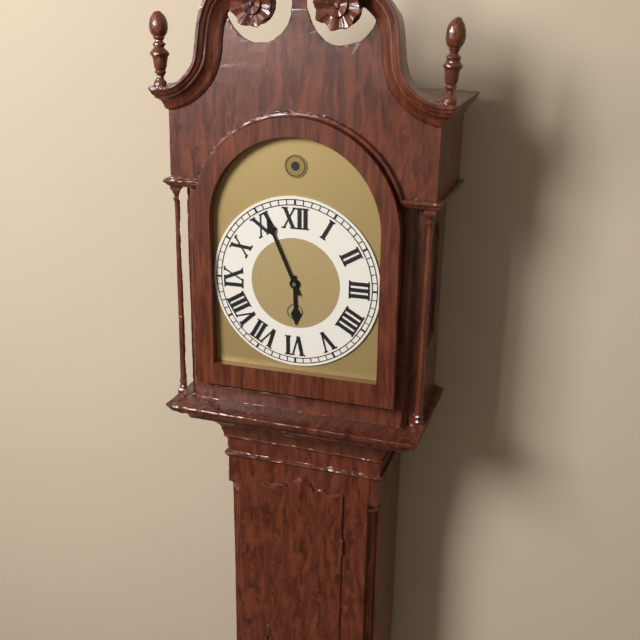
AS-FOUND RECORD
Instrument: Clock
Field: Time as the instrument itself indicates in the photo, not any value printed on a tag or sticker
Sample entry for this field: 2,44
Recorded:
5,56
